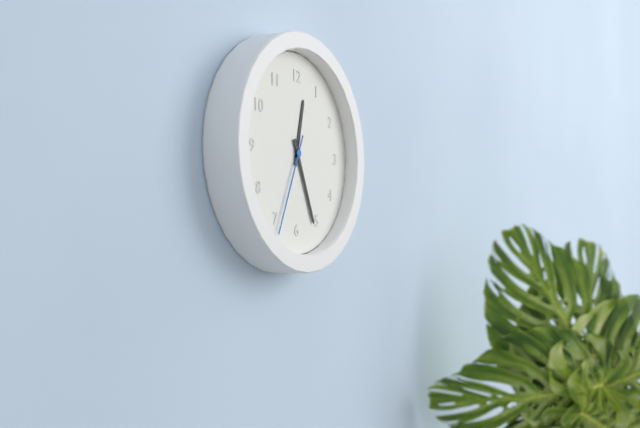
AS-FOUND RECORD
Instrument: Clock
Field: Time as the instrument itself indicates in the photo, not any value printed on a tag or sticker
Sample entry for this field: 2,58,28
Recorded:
12,26,34
